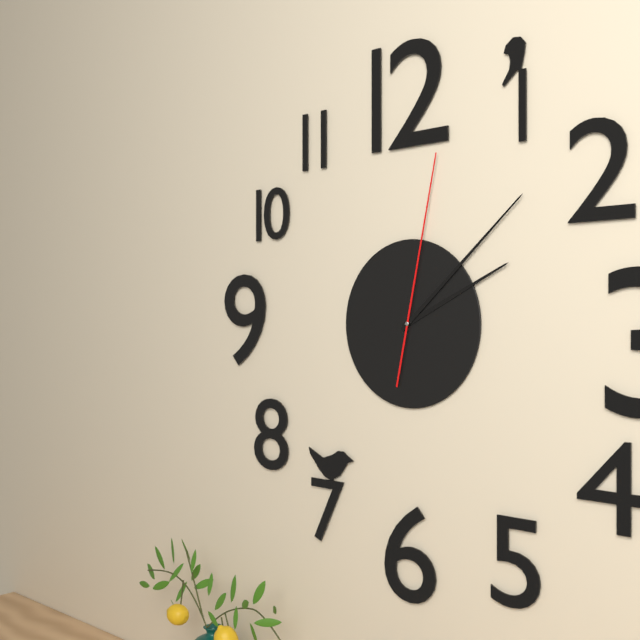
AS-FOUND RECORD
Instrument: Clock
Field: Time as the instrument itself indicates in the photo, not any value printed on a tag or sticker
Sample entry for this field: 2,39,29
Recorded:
2,08,02
